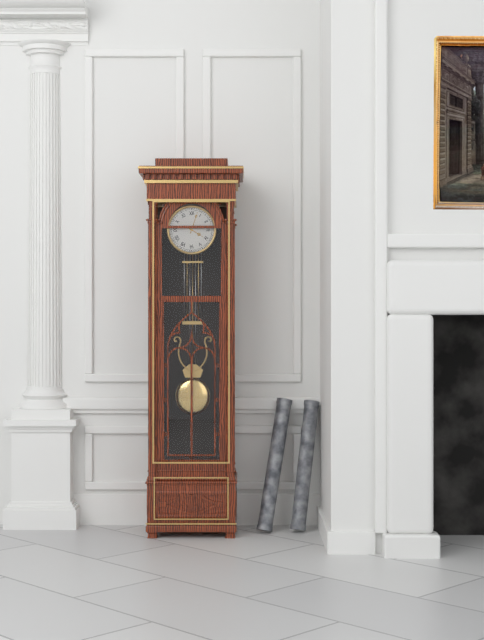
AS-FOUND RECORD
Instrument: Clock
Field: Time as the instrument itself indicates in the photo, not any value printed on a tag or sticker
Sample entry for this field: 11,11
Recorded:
4,03
